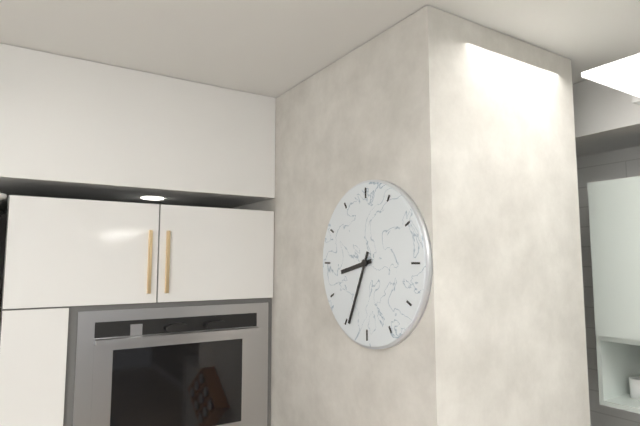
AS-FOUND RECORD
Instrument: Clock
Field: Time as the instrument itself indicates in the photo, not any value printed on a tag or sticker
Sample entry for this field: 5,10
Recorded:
8,34
